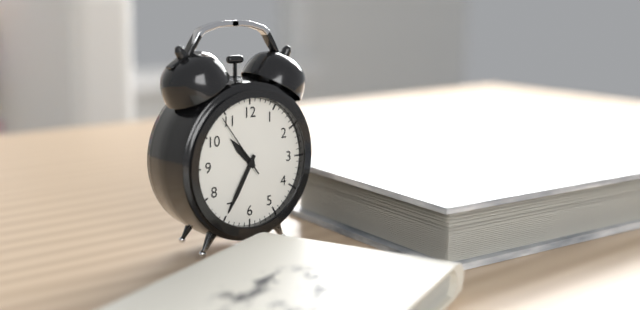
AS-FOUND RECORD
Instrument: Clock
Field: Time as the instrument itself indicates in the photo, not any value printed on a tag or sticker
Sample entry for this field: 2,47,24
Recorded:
10,35,54
